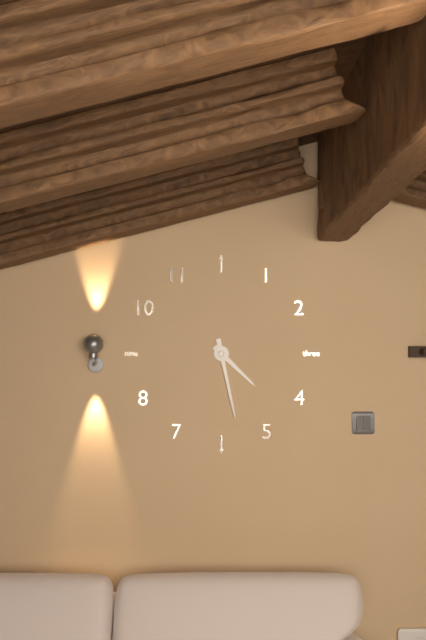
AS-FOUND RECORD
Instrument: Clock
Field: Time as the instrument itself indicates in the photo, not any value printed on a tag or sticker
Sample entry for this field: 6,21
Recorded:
4,28
